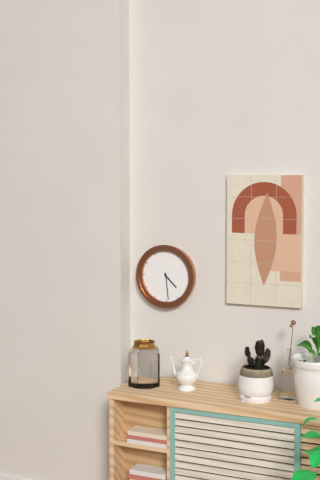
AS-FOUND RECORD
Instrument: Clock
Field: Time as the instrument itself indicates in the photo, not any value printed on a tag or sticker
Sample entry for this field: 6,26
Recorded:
4,29
